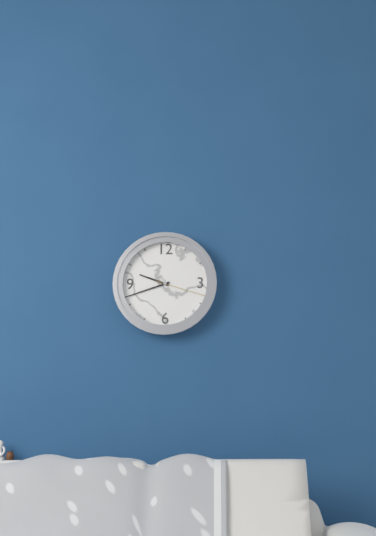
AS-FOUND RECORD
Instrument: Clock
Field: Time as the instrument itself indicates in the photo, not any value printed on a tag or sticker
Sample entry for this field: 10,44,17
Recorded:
9,42,18
